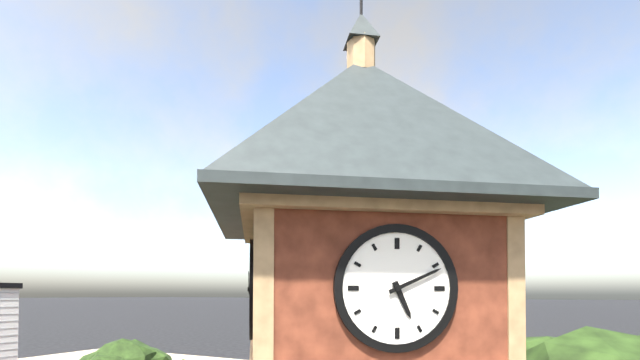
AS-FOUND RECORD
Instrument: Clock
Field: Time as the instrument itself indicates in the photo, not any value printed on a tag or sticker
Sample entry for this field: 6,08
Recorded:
5,11
